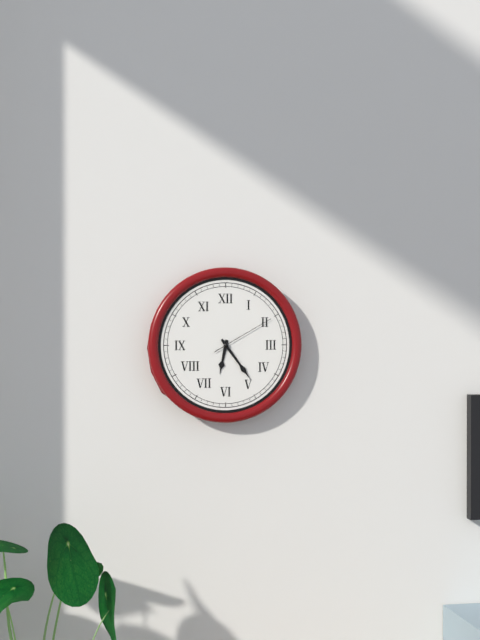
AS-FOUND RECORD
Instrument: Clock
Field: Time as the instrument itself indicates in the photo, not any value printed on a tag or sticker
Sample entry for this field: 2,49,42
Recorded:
6,24,10
